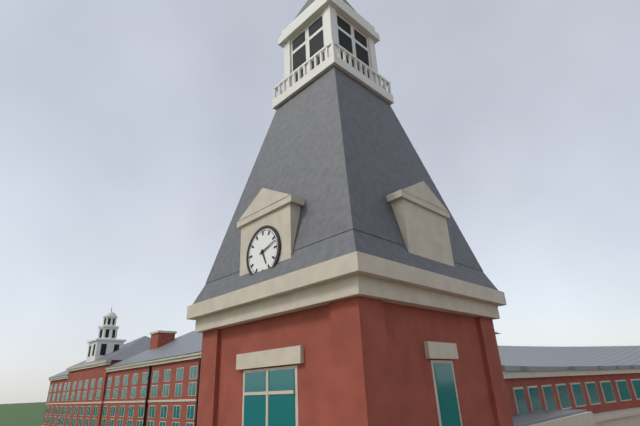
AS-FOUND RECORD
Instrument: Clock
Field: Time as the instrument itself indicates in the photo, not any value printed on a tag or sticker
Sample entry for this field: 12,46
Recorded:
5,12
